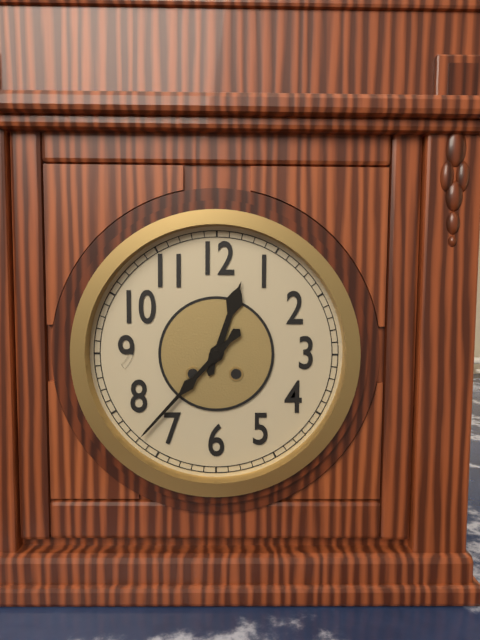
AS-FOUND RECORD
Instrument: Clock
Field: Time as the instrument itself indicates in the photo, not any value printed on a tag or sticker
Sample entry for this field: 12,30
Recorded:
12,37
